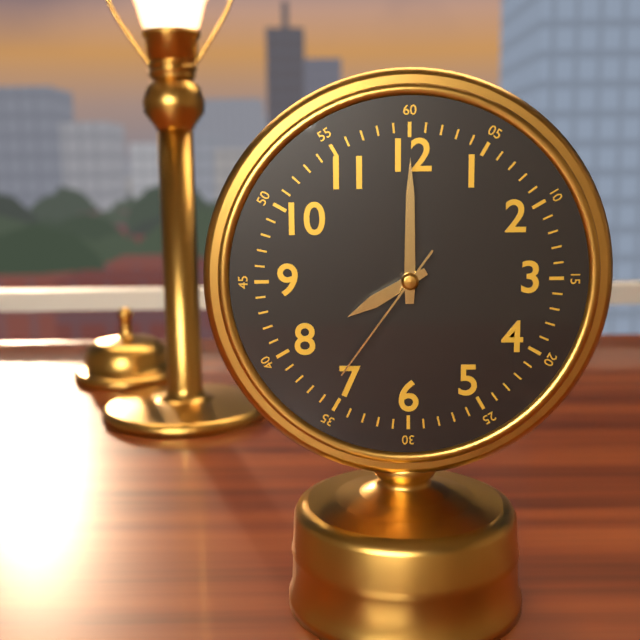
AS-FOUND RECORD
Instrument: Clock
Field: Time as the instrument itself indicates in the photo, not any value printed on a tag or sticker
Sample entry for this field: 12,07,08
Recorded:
8,00,36
